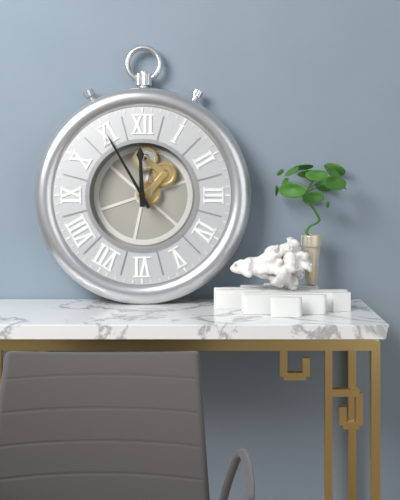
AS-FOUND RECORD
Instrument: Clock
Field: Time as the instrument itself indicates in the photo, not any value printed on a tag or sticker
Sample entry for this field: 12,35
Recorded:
11,55
